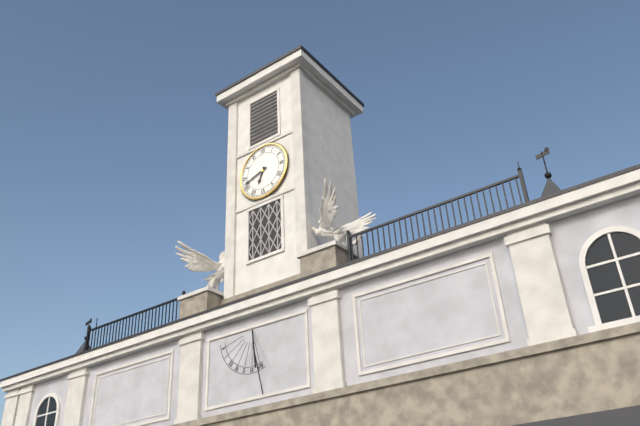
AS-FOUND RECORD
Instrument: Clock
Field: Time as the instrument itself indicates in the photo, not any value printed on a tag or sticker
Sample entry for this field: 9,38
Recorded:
6,42
